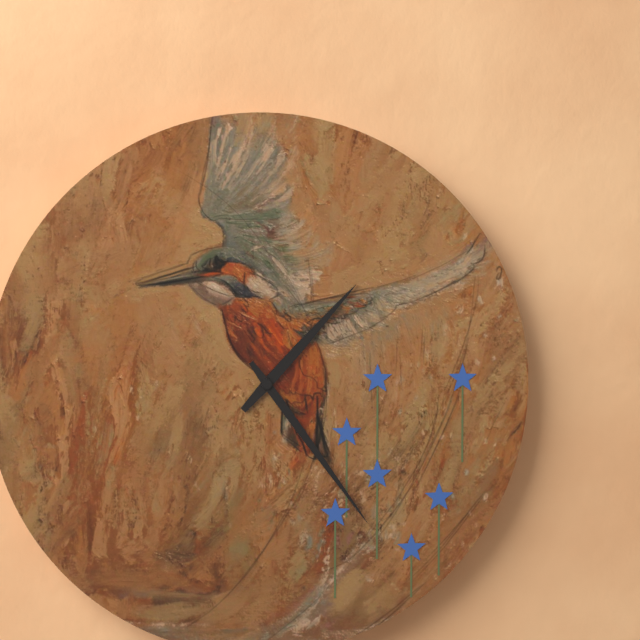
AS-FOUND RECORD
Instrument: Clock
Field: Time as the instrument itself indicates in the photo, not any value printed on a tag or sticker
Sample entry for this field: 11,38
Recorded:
1,24
